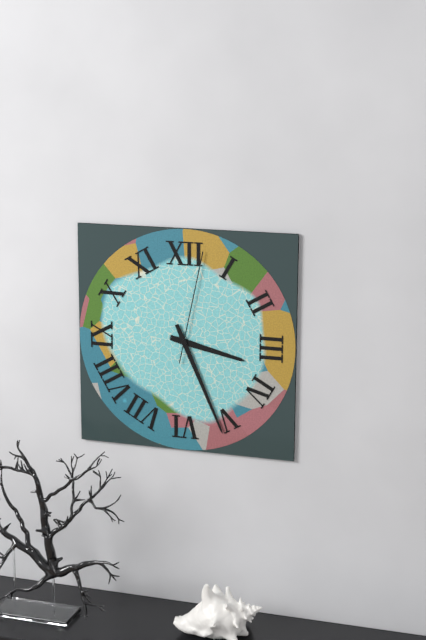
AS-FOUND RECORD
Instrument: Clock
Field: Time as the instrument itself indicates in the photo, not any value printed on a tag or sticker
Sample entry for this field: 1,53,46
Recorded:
3,26,02
